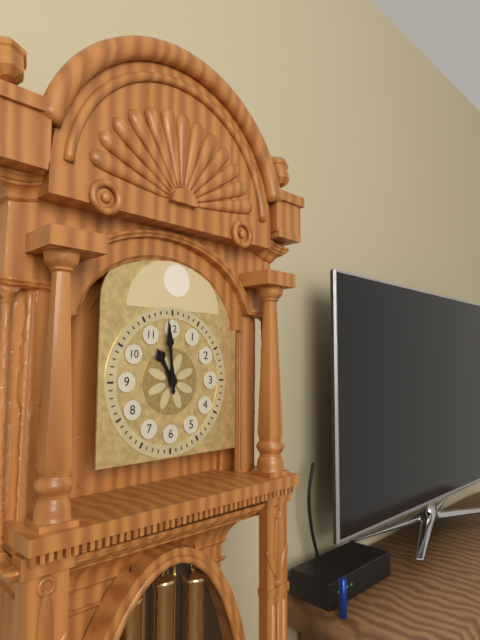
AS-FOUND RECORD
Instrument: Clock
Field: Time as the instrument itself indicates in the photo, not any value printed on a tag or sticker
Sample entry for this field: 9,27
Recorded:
10,59
